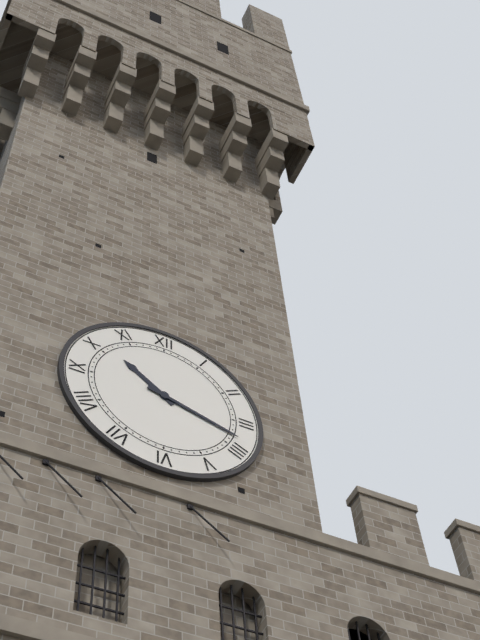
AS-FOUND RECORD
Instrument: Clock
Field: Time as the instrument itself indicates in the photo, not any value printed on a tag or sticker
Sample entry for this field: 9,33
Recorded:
10,18
